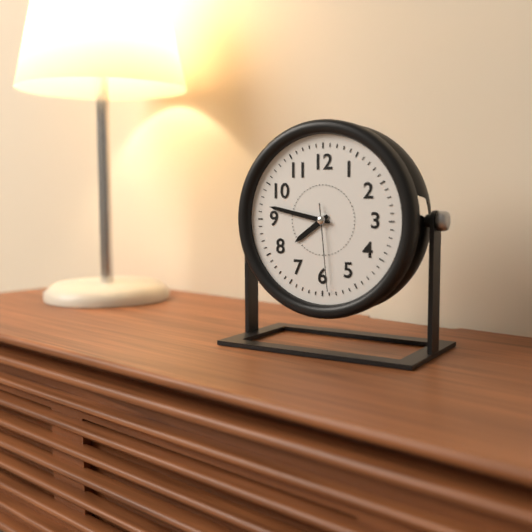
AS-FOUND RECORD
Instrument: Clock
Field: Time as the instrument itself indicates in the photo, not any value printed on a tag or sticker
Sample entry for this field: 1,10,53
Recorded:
7,47,29
